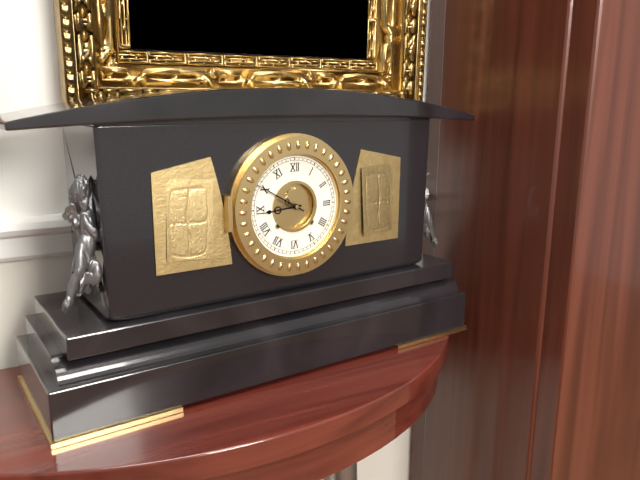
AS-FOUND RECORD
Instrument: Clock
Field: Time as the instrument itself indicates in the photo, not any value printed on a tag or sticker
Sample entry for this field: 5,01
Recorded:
8,50
